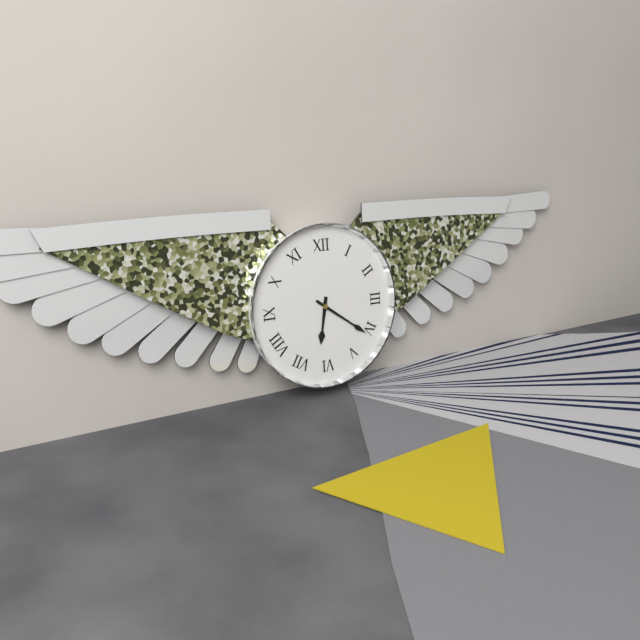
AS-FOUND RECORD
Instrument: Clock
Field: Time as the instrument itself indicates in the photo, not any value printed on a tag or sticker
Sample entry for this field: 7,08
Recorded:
6,21
